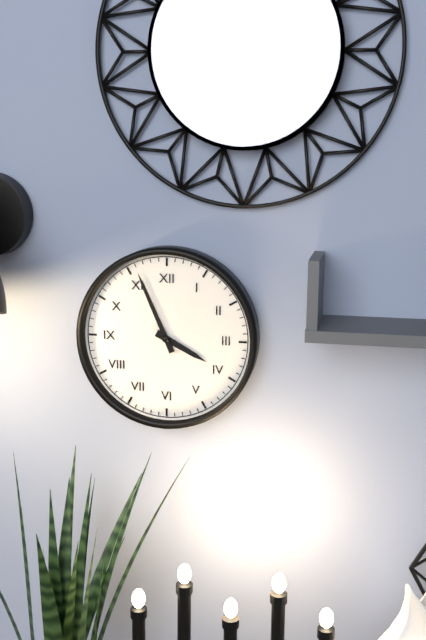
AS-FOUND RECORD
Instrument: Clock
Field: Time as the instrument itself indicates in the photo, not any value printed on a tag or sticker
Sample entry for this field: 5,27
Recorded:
3,56
